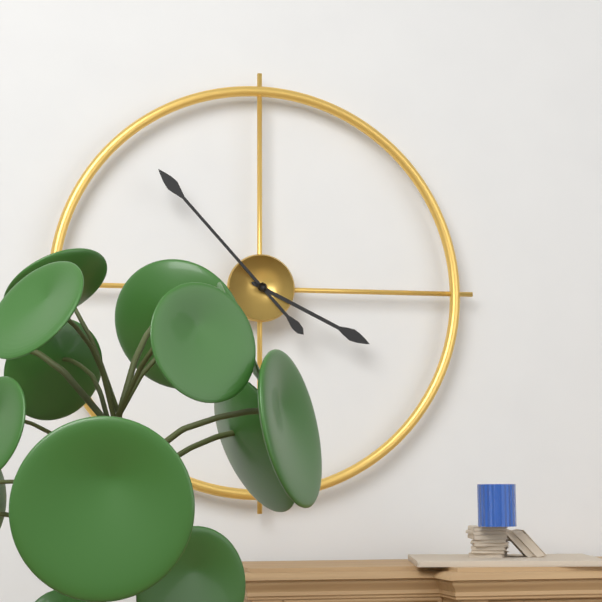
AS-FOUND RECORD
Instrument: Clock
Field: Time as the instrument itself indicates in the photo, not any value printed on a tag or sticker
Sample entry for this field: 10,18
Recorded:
3,53
